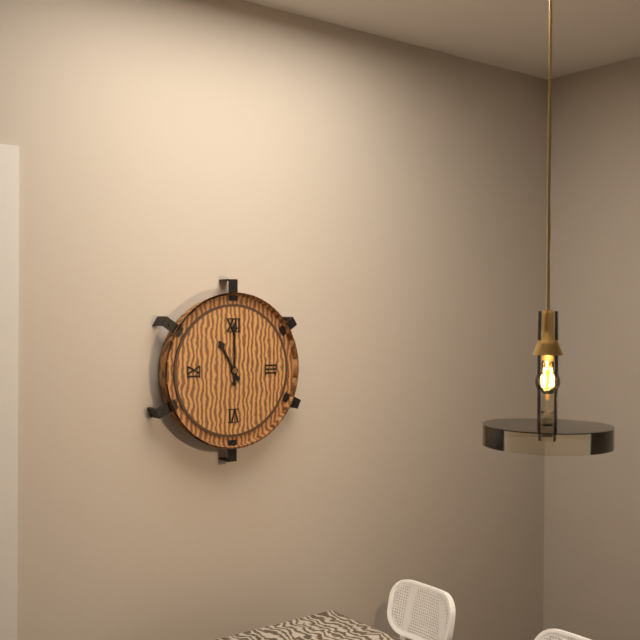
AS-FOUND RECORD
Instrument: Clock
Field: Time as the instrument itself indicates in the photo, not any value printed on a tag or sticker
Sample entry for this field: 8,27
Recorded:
11,00
